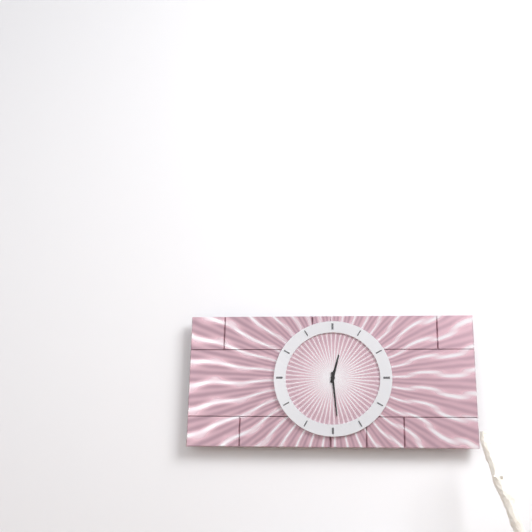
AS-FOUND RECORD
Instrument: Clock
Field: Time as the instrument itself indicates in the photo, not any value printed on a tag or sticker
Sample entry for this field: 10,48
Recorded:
12,29
